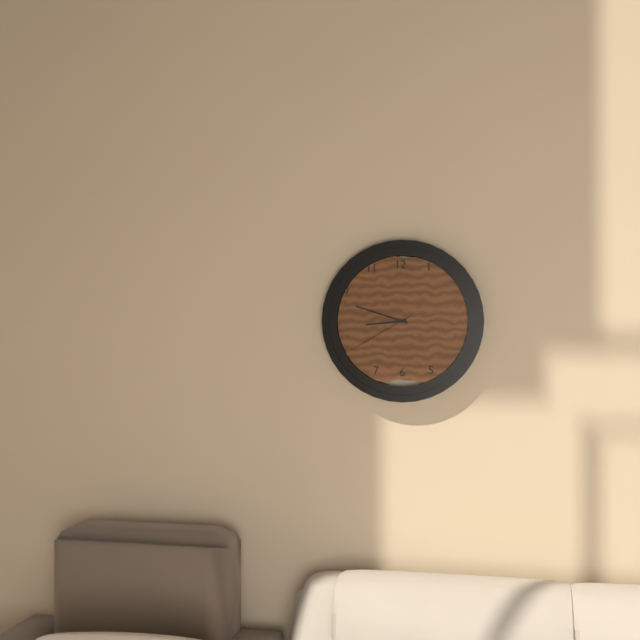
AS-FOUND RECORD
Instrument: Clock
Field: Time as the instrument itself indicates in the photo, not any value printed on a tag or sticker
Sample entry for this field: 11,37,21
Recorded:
8,48,40
